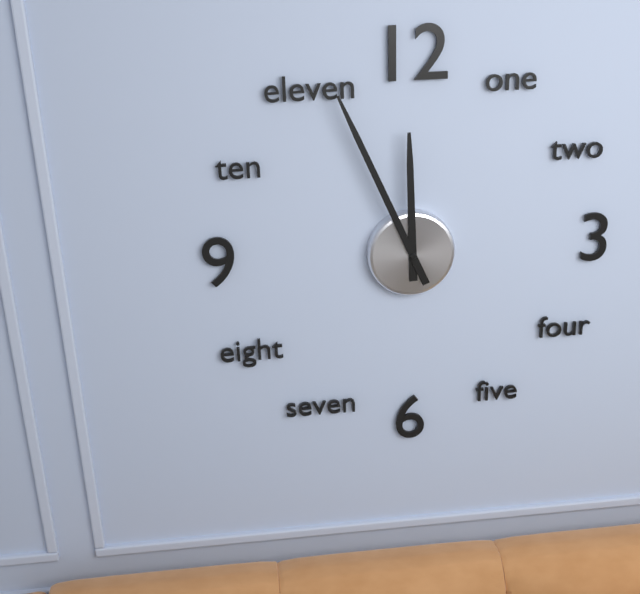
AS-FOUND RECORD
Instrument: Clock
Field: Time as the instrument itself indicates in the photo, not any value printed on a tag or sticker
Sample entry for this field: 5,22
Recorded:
11,56
